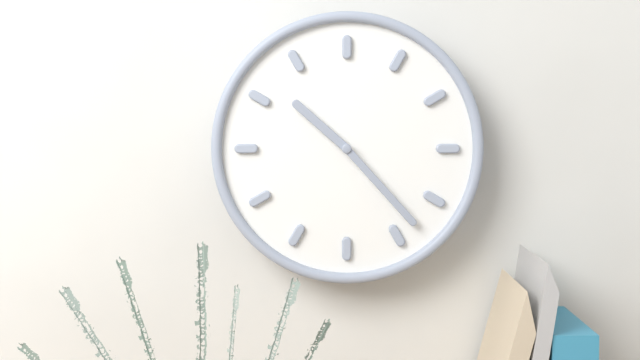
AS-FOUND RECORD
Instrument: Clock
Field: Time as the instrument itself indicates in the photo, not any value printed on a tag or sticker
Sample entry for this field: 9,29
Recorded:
10,23
